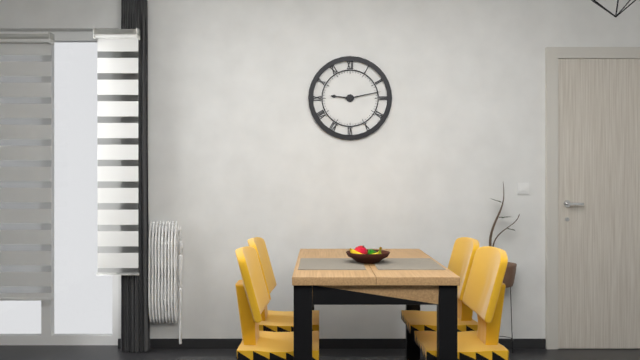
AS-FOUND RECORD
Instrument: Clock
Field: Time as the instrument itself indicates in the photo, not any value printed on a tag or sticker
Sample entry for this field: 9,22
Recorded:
9,13
